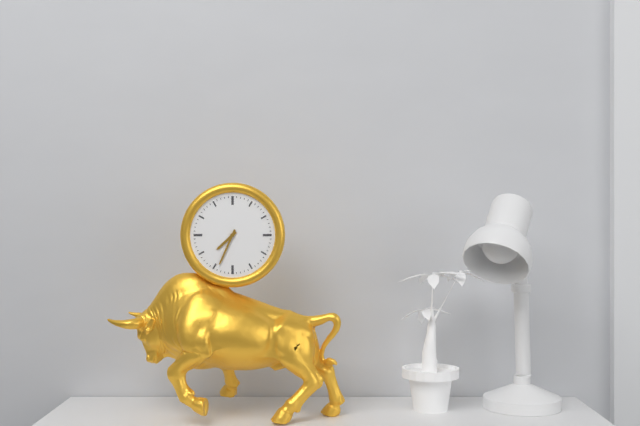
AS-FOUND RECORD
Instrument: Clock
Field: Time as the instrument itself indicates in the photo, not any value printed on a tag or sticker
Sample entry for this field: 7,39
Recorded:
7,34
